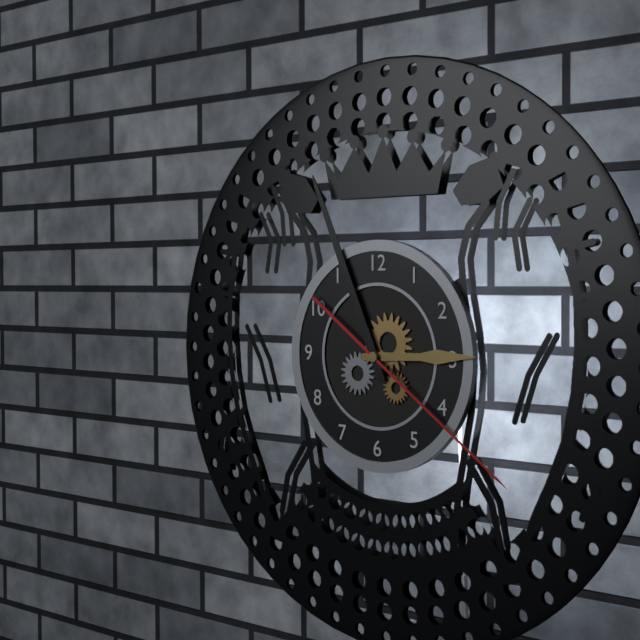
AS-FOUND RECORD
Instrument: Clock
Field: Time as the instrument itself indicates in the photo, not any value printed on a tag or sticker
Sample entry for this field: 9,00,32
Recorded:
2,56,21
